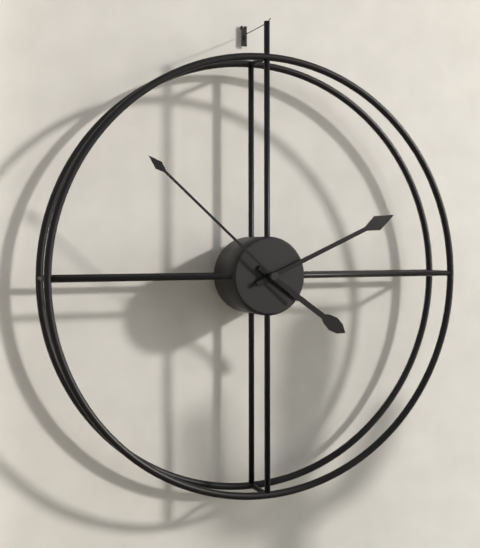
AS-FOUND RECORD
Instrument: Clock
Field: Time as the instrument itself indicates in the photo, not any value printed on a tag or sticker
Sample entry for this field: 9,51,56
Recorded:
4,11,52
